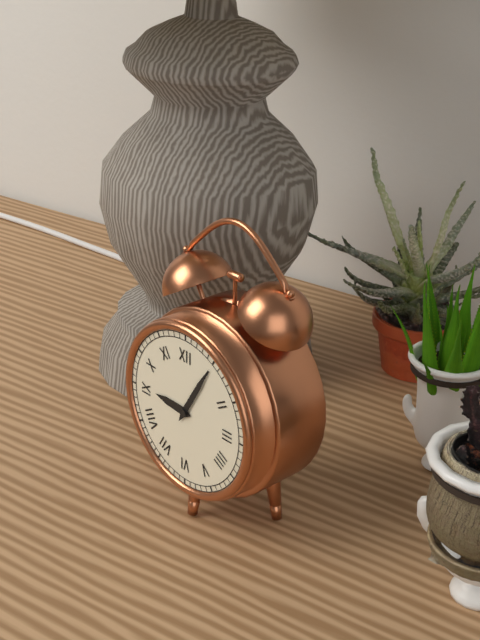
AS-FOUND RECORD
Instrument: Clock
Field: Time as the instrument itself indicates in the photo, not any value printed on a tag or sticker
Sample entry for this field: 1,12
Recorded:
9,05
